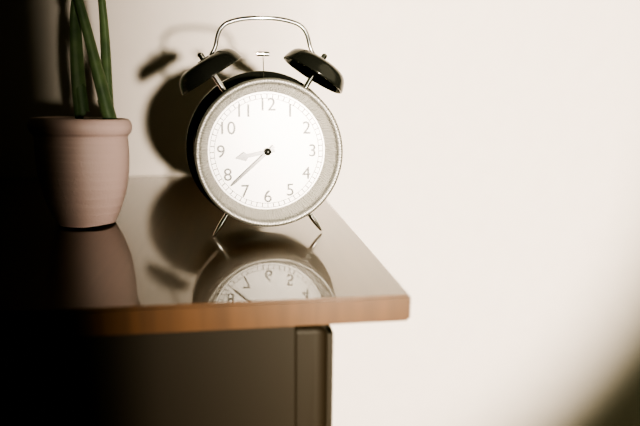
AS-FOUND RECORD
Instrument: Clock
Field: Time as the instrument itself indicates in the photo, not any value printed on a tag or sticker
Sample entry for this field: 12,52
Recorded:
8,38
